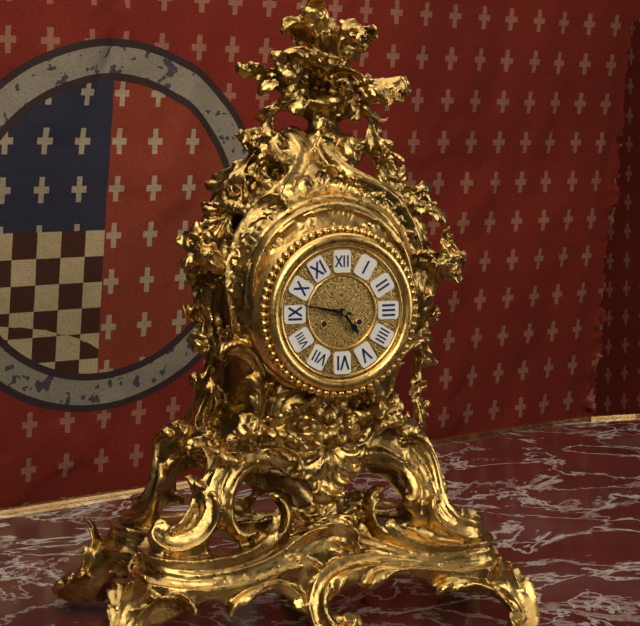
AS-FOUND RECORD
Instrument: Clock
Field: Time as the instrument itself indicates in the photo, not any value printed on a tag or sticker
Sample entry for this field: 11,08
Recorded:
4,47
